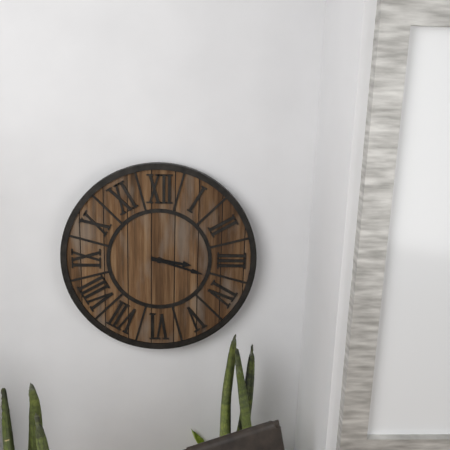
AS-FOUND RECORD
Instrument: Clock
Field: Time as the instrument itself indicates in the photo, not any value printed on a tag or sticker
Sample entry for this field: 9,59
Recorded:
3,18
